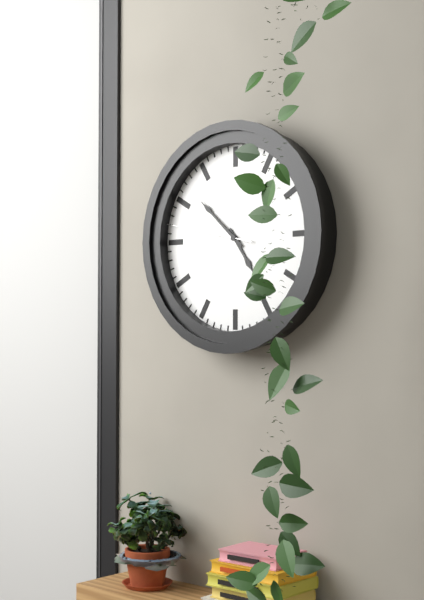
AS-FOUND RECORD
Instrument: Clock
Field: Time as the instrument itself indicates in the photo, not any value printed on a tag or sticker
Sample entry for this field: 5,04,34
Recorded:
4,52,47
